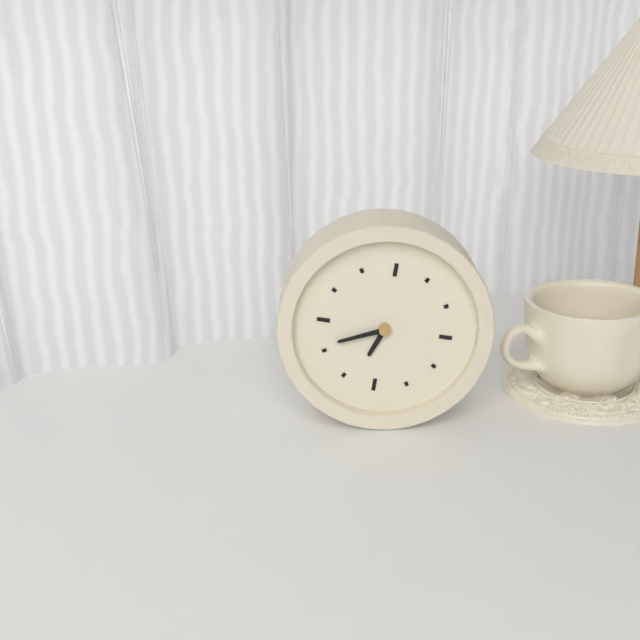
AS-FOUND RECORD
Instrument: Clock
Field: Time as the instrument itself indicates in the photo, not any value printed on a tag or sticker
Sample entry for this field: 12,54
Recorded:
6,41
